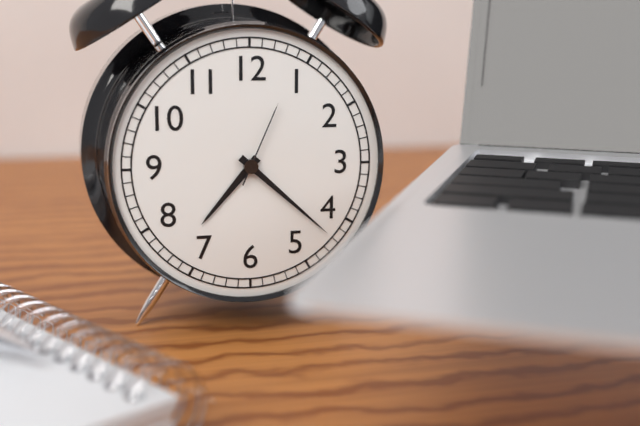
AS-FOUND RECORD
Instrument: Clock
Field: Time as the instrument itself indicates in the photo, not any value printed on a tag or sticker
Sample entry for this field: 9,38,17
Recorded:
7,22,04
